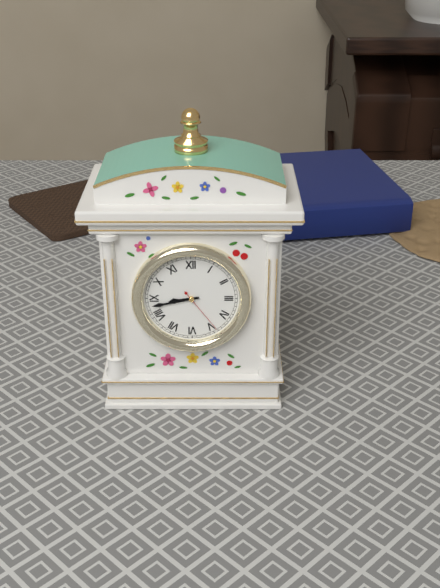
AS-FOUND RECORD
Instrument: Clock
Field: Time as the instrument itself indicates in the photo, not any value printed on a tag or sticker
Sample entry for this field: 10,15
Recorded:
8,43
